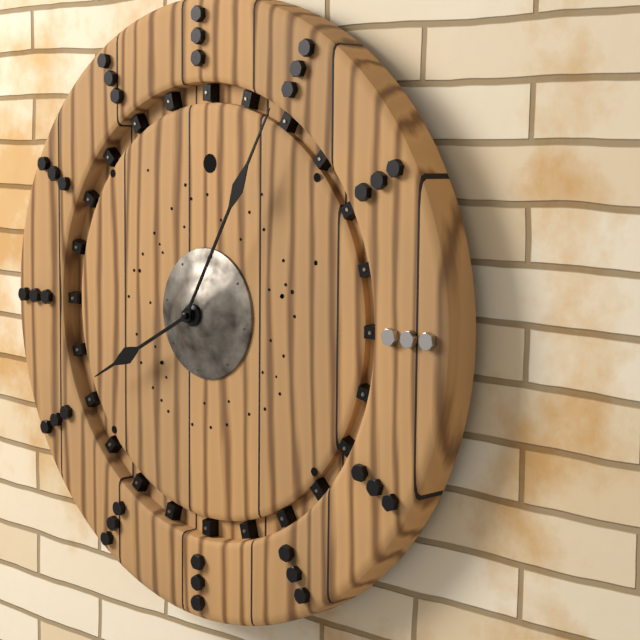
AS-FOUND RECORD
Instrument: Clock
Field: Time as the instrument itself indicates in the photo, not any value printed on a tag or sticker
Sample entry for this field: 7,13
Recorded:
8,05
